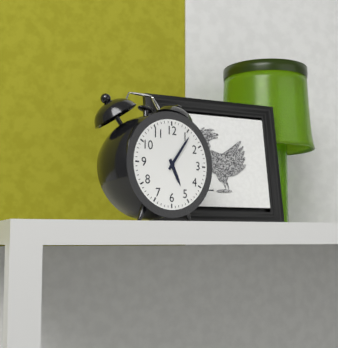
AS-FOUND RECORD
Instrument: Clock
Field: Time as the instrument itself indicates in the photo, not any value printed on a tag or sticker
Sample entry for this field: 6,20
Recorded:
5,06
